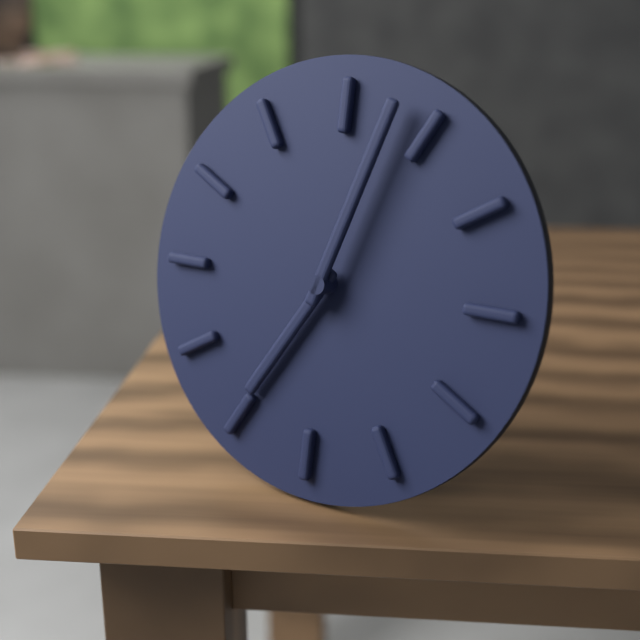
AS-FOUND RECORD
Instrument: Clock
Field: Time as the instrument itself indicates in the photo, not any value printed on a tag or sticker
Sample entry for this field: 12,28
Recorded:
7,03
